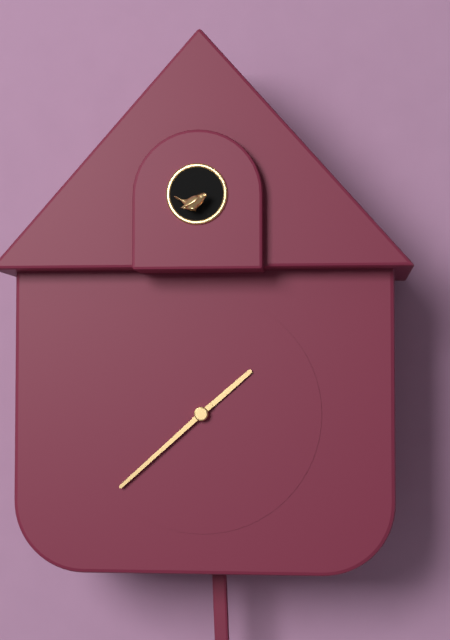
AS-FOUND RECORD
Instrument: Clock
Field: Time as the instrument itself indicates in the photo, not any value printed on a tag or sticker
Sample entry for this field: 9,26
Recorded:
1,38
